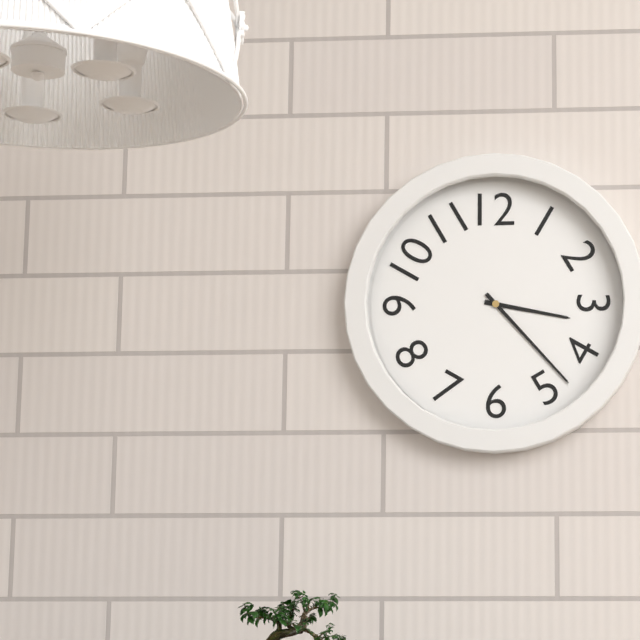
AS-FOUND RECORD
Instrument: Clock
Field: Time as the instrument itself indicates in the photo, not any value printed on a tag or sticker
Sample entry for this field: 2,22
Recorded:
3,23
